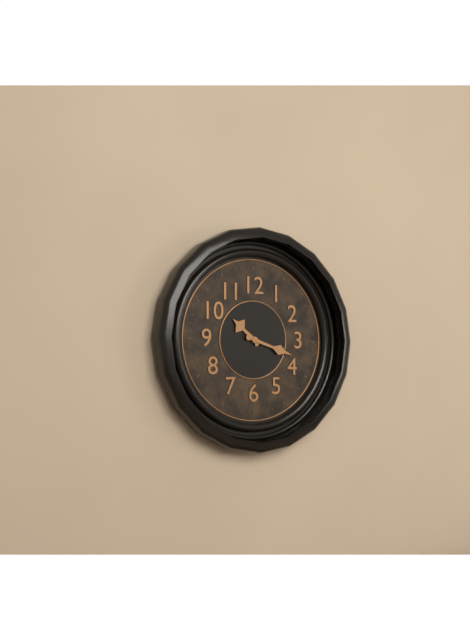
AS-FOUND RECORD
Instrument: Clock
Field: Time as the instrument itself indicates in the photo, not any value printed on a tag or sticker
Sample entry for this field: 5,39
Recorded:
10,18
